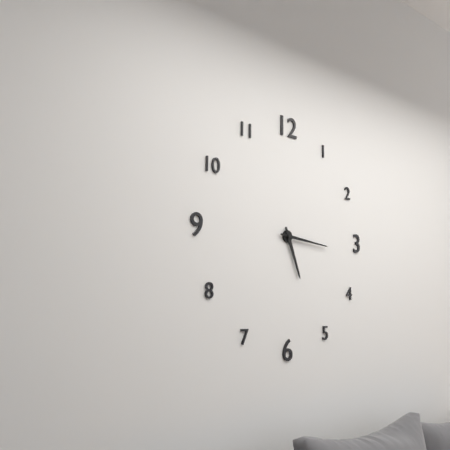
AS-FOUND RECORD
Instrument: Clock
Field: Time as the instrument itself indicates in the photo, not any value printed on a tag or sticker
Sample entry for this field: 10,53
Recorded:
5,16
